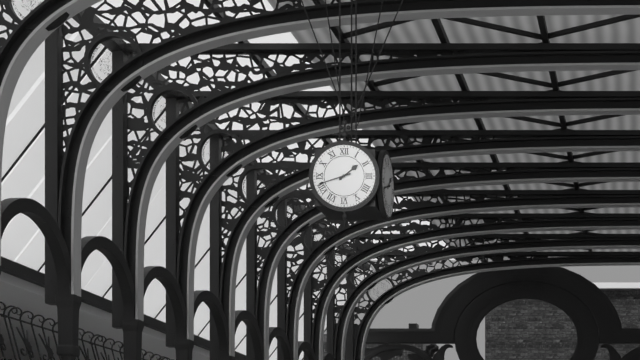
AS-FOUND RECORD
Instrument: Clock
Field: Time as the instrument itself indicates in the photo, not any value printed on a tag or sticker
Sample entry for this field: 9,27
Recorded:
1,42
